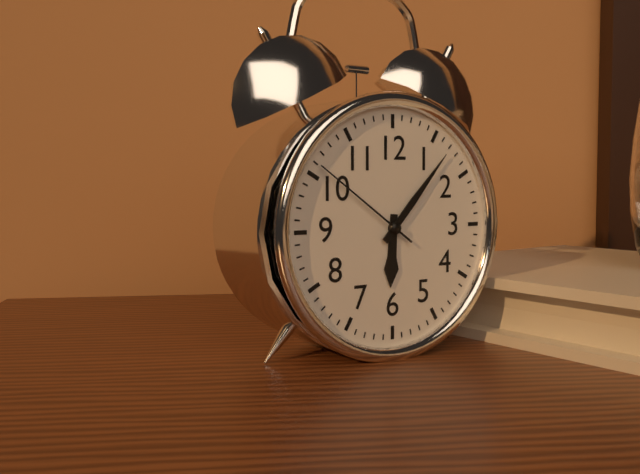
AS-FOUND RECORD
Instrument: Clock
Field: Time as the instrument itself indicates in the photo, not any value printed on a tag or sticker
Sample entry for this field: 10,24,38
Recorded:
6,07,51
